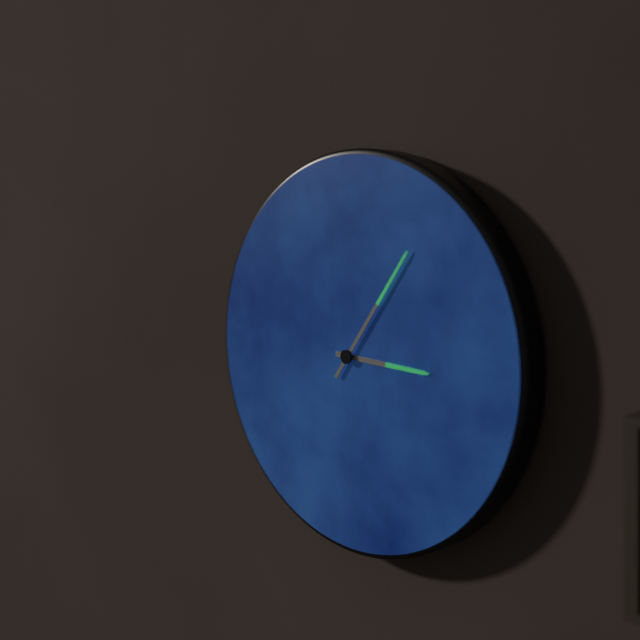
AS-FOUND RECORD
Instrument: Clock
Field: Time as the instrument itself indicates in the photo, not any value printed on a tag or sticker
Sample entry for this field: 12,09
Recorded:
3,06
